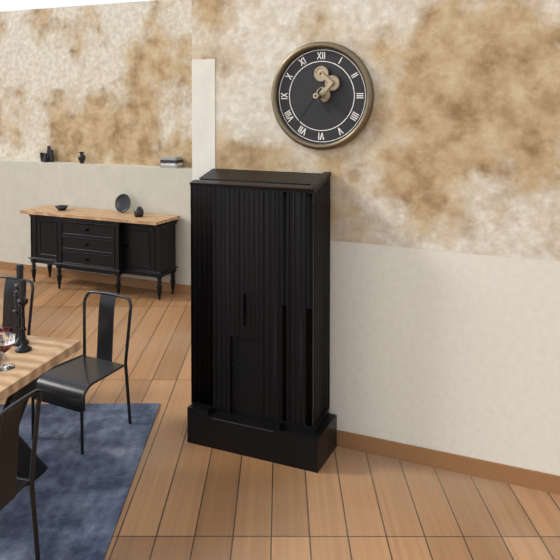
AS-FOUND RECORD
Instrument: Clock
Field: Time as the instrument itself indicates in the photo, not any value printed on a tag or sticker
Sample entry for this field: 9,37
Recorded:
4,36
